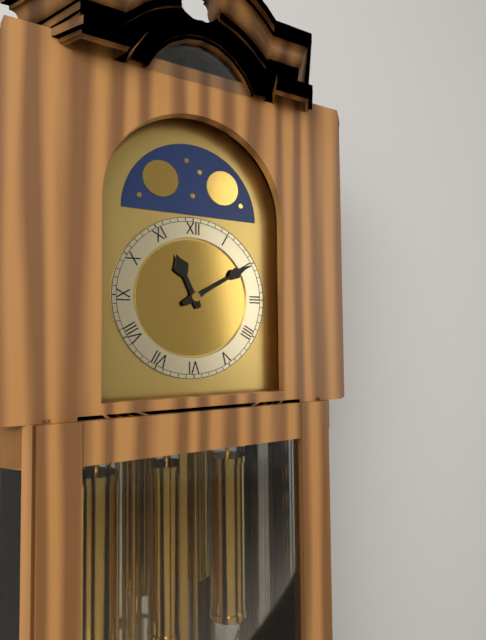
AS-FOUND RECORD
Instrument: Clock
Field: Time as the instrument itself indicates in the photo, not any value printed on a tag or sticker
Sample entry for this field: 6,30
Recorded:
11,10
